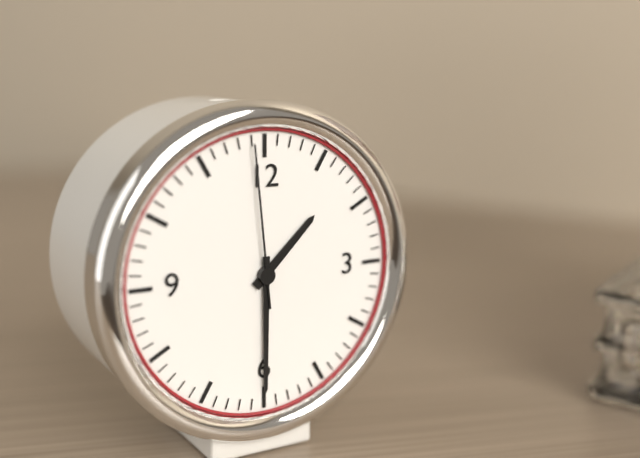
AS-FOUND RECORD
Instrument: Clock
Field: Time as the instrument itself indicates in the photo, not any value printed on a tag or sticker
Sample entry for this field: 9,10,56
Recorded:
1,30,59
